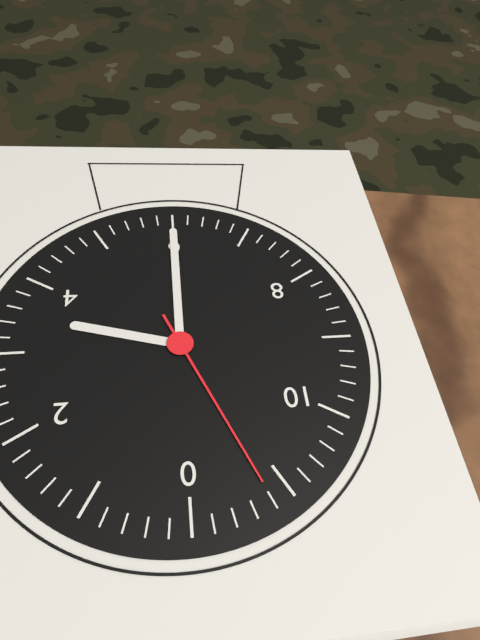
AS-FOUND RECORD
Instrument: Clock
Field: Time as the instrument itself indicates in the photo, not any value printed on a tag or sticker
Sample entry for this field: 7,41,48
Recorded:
3,30,56
